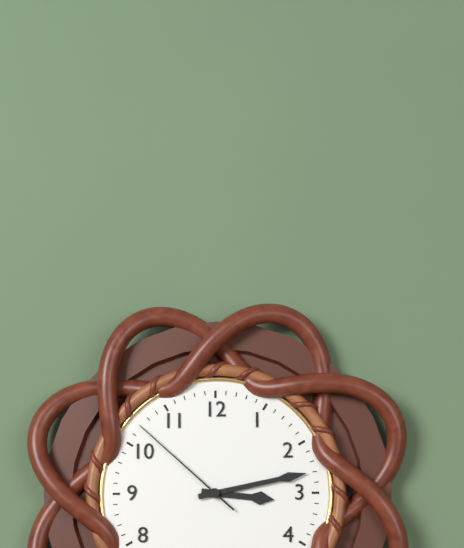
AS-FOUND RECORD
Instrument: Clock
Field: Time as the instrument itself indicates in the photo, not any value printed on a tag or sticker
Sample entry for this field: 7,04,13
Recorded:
3,13,52
